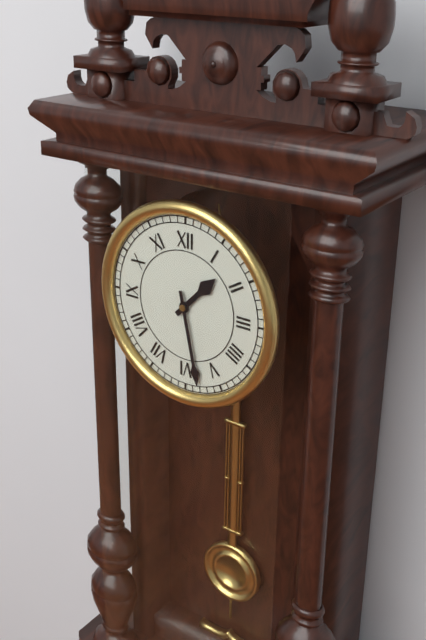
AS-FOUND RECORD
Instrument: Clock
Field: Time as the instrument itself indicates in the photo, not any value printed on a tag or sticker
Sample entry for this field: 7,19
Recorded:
1,28
